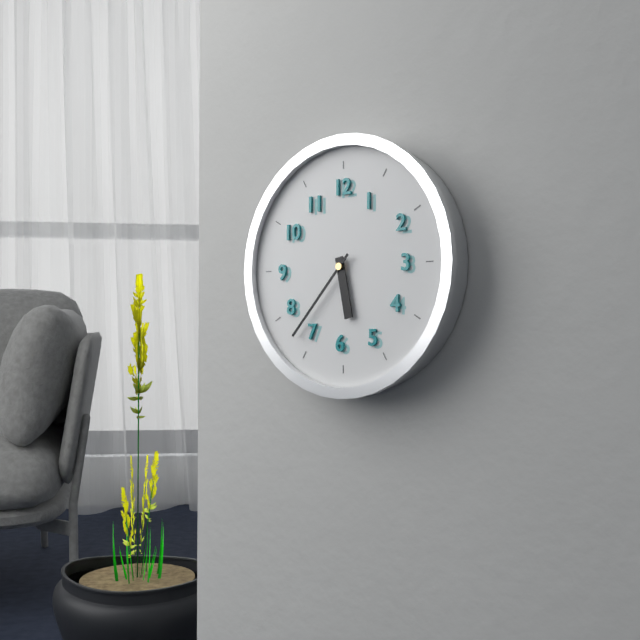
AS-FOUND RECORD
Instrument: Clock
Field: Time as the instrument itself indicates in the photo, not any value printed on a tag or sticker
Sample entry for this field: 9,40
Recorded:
5,37
